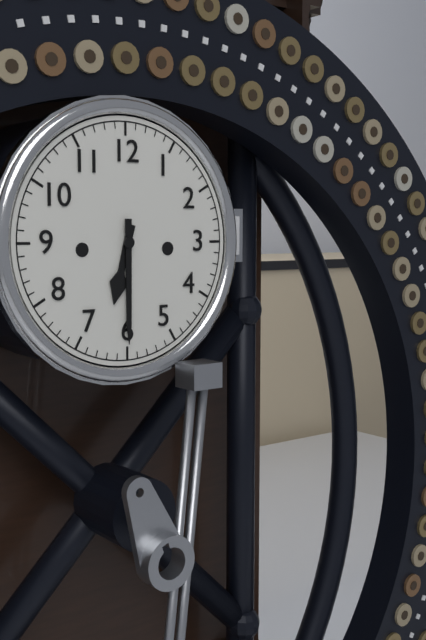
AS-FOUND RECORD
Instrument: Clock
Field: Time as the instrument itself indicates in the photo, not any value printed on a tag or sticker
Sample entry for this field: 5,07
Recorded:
6,30
